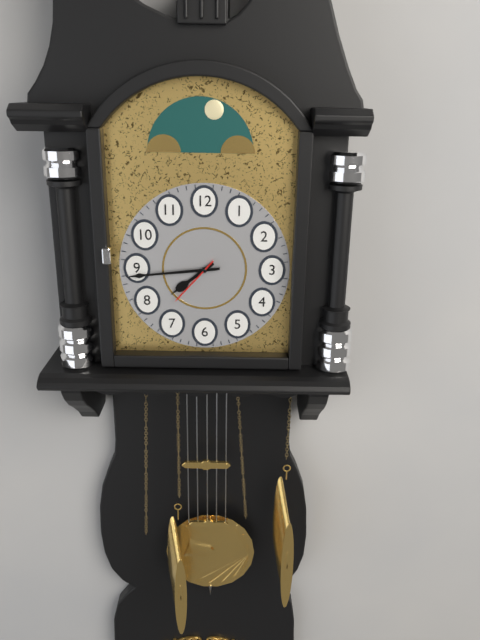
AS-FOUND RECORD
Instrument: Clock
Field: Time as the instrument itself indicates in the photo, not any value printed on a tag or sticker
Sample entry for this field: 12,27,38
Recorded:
7,44,37
